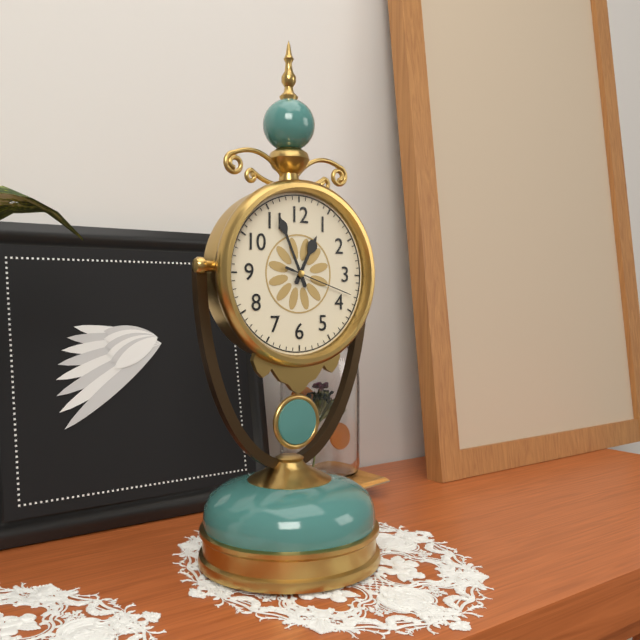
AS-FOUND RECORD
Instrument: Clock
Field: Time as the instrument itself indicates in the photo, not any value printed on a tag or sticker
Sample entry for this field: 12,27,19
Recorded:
12,56,18
